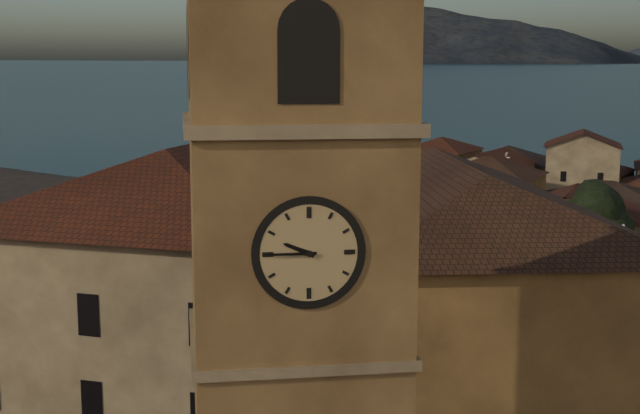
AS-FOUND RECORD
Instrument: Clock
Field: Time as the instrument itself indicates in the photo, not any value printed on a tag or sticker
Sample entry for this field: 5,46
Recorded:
9,45
